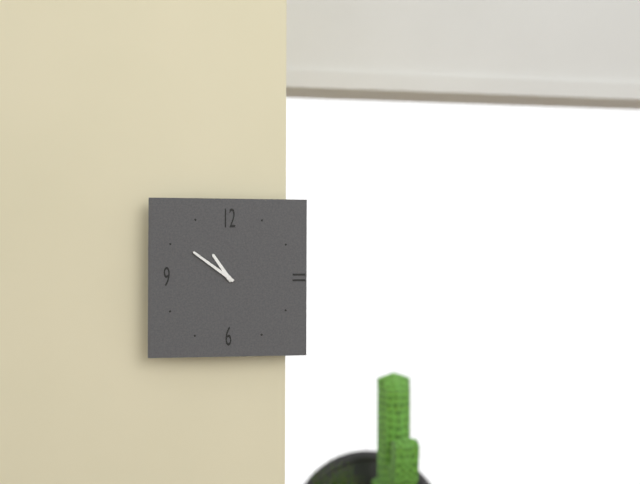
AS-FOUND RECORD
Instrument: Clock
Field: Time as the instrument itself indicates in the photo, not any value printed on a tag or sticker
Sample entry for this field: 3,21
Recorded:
10,51
